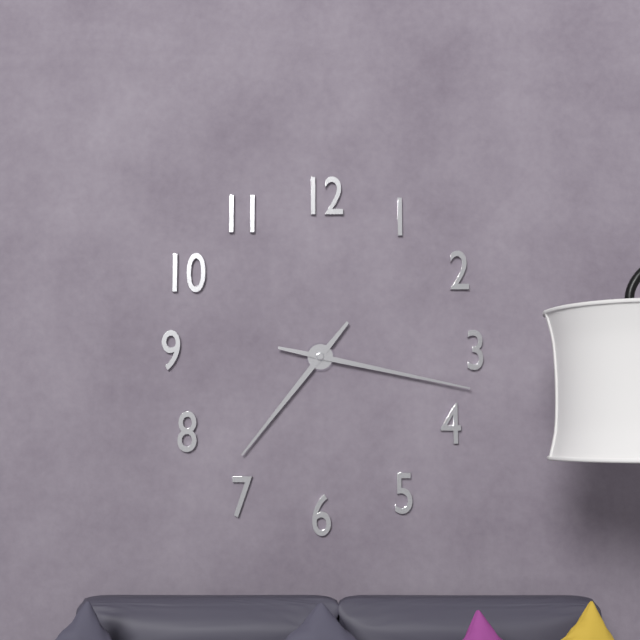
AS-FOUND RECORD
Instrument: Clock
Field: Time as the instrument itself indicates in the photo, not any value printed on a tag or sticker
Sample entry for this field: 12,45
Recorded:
7,17
